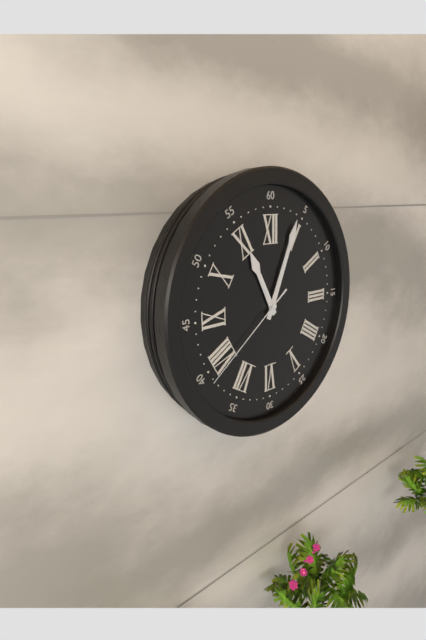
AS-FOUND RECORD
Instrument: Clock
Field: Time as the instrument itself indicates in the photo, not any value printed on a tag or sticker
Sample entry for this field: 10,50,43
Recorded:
11,04,39
